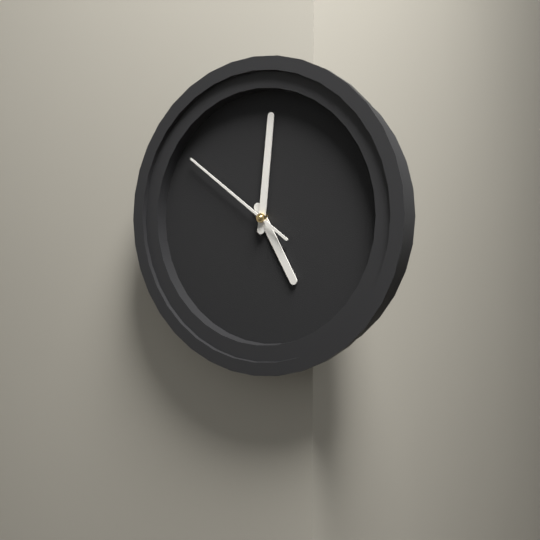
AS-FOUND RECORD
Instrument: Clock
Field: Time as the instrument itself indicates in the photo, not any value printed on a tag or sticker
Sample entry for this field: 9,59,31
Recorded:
5,01,51
